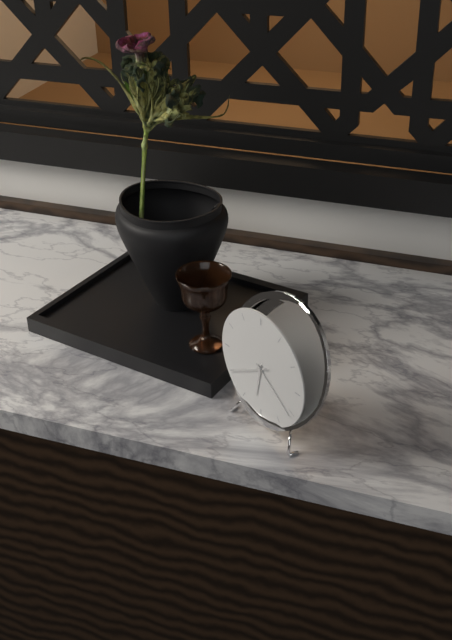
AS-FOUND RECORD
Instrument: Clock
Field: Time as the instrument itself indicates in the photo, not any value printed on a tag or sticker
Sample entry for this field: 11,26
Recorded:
6,21
